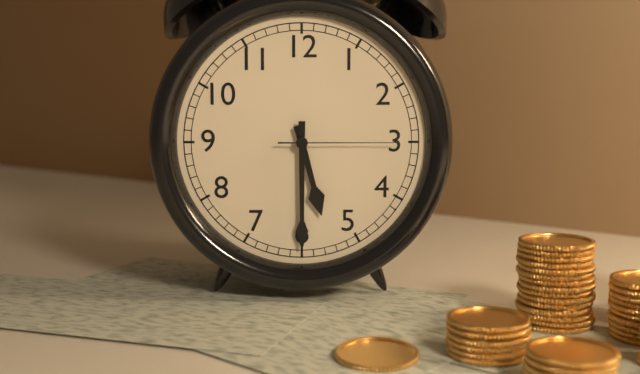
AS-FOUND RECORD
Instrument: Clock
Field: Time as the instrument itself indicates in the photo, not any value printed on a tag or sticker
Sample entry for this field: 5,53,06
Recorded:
5,30,15
